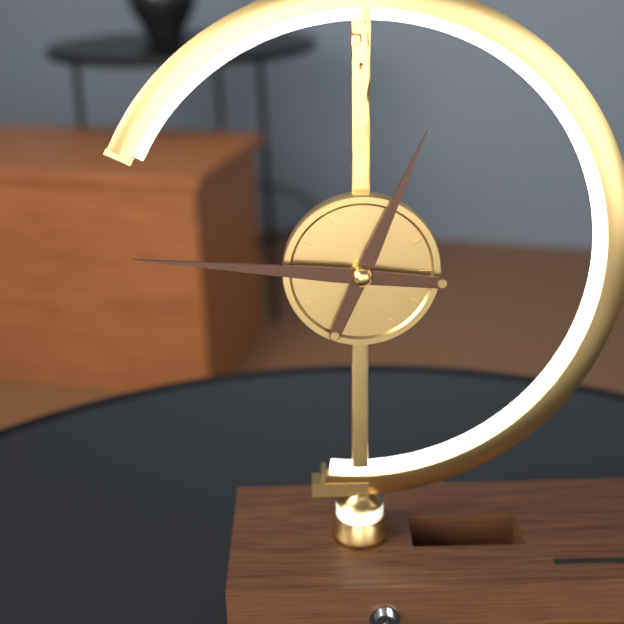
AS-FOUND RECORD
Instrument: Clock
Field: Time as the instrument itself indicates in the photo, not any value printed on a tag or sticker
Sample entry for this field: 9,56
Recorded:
12,46
